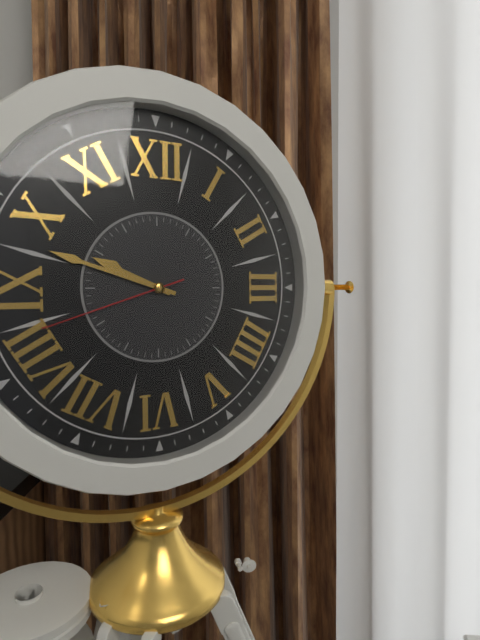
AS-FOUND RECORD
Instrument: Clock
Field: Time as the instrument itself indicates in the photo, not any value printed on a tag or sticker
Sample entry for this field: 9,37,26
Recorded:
9,48,42
